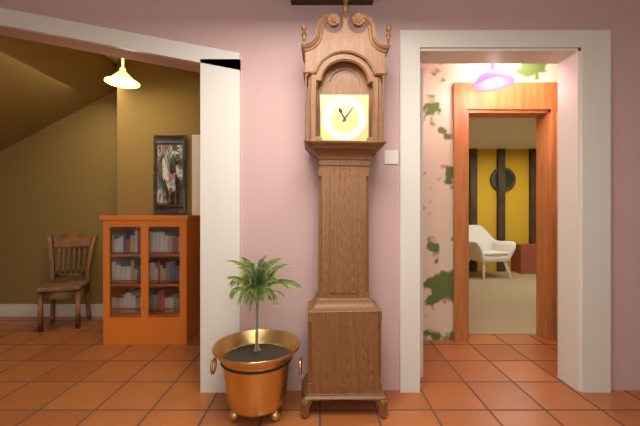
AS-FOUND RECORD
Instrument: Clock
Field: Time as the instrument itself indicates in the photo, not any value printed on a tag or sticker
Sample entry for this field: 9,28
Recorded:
11,06
